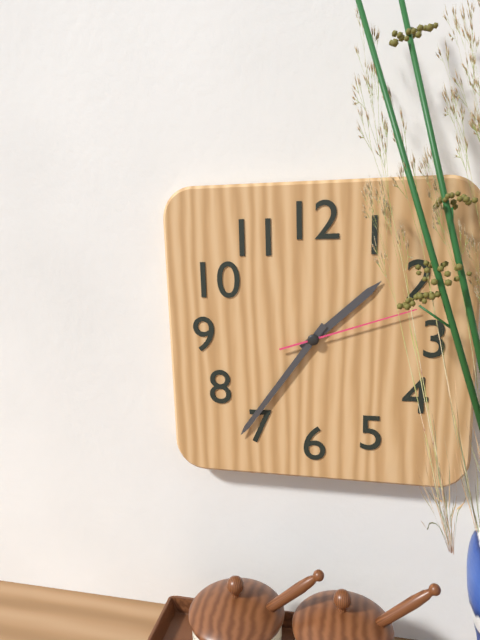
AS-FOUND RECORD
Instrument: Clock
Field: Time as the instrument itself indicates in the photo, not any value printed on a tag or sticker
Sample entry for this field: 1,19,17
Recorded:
1,36,12
